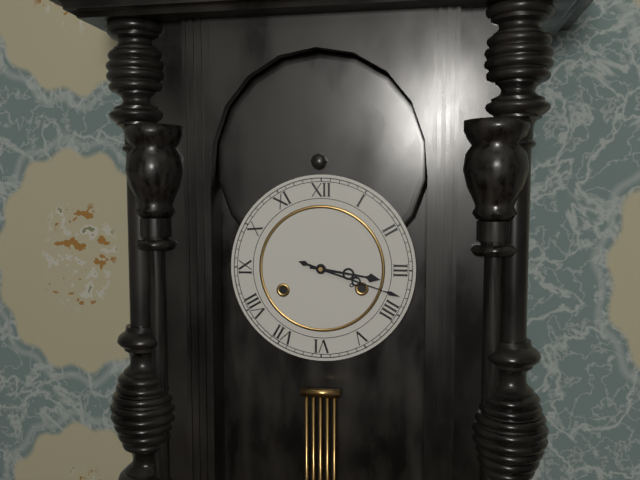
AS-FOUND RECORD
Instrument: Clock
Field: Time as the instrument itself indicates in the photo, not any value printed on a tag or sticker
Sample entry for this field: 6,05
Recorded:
3,18
